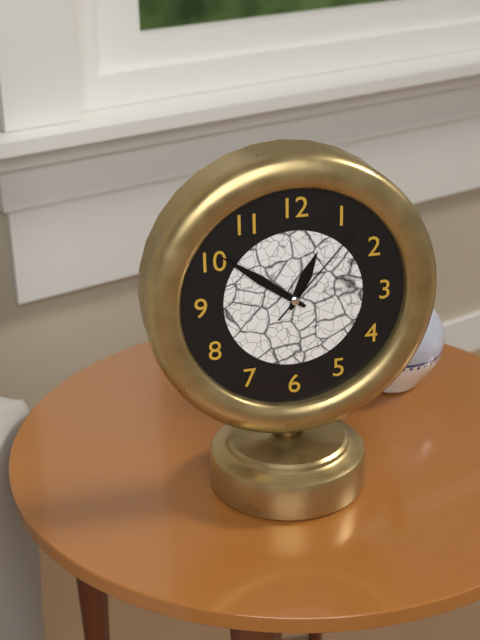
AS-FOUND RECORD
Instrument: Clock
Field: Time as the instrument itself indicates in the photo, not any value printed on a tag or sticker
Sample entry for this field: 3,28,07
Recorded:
12,51,07
